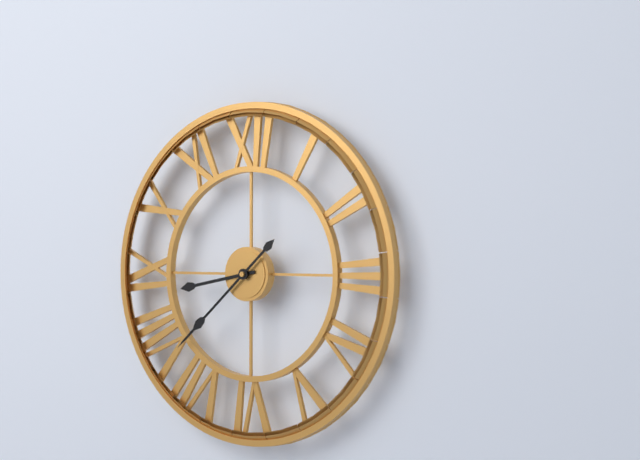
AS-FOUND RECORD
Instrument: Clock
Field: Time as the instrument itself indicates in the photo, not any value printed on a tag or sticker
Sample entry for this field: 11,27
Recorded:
8,38
